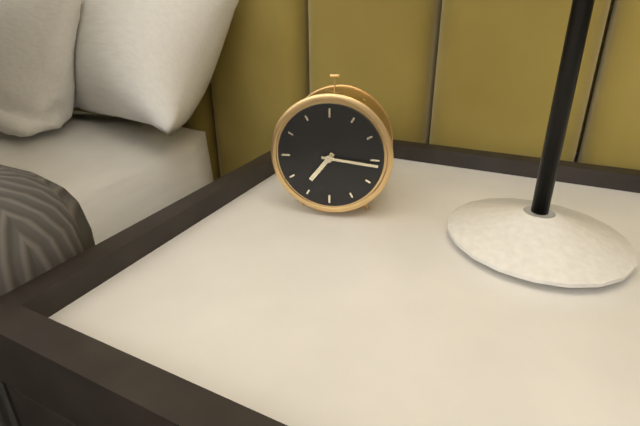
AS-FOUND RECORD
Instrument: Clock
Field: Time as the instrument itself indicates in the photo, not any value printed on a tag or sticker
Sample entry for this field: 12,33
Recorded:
7,16
